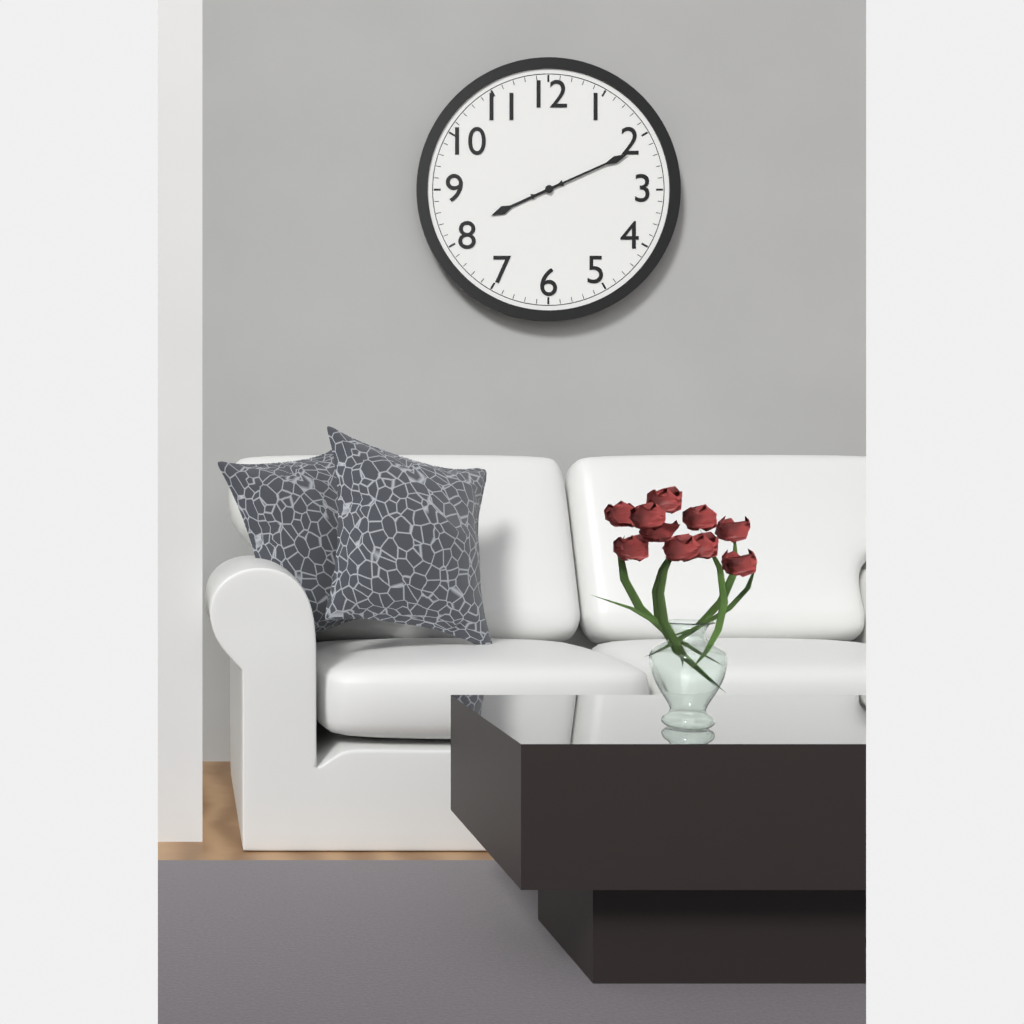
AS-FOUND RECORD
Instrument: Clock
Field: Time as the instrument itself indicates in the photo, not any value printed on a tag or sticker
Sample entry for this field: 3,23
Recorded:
8,11
